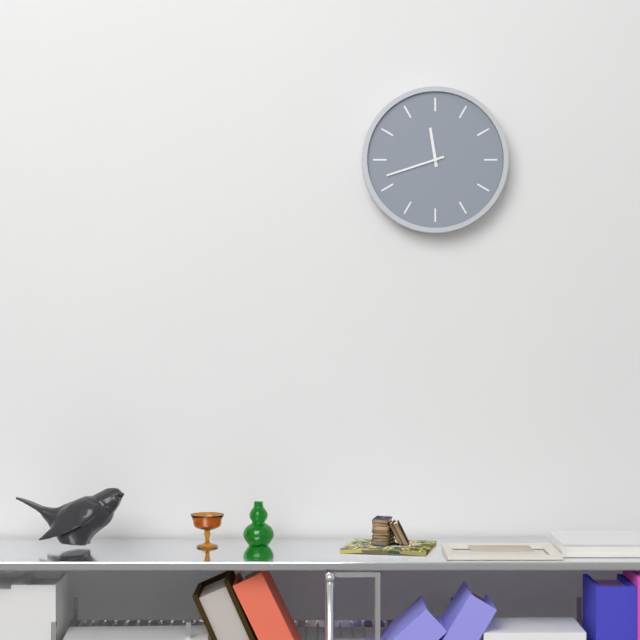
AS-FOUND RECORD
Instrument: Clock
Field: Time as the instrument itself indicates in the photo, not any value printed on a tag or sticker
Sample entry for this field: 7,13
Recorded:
11,42
